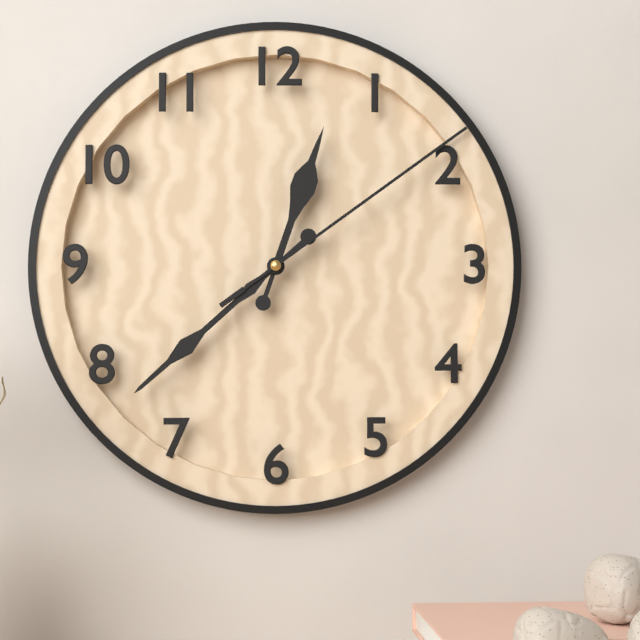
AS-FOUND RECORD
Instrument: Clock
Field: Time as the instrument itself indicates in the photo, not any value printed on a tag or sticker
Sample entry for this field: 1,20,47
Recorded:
12,38,09
